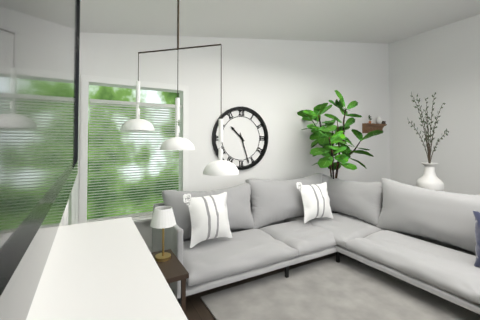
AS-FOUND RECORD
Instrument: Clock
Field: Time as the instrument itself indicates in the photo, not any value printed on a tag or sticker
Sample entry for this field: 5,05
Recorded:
10,27
